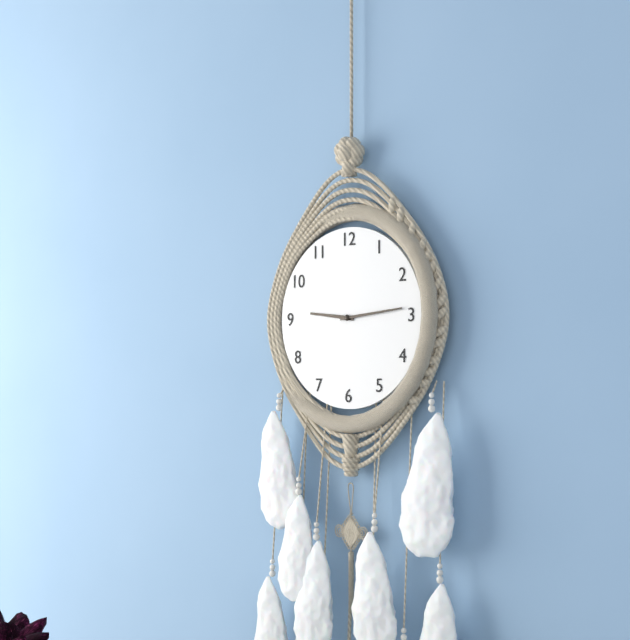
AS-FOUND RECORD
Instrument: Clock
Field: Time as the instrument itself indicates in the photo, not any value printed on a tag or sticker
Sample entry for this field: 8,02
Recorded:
9,14
